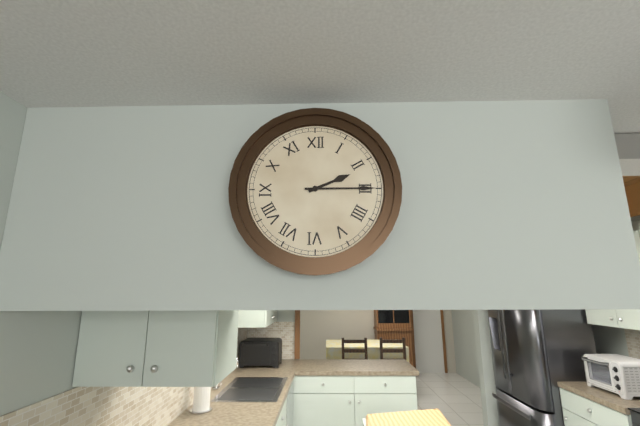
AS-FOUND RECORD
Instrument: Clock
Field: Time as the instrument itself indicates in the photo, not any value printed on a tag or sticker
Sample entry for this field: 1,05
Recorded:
2,15
